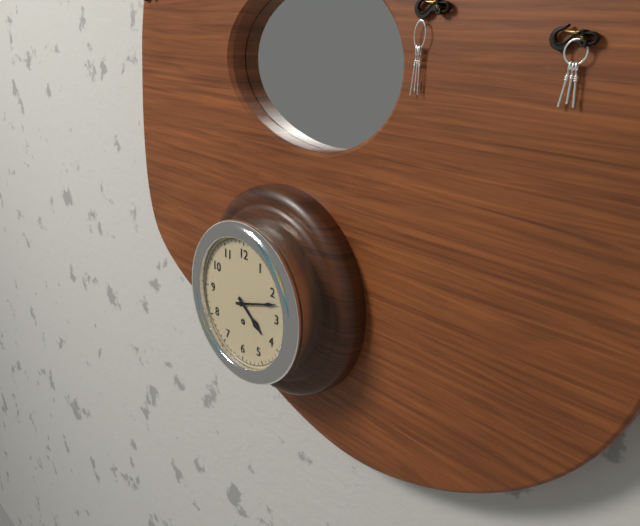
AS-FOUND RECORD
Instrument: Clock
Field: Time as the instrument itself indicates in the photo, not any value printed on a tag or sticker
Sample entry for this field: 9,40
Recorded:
4,12
